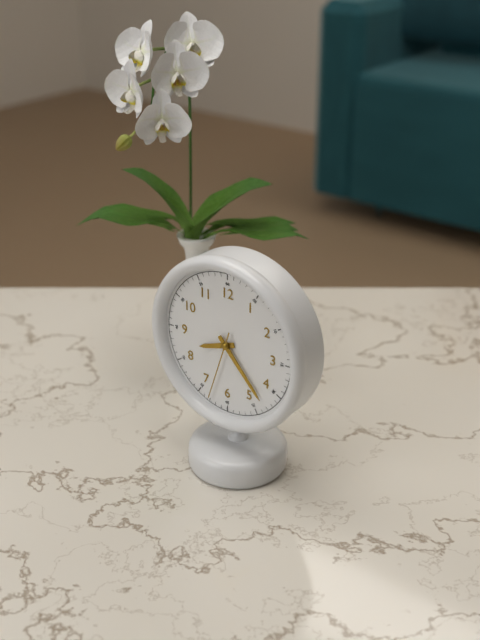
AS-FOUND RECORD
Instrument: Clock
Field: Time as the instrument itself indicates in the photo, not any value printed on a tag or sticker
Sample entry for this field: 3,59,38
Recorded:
8,23,33
